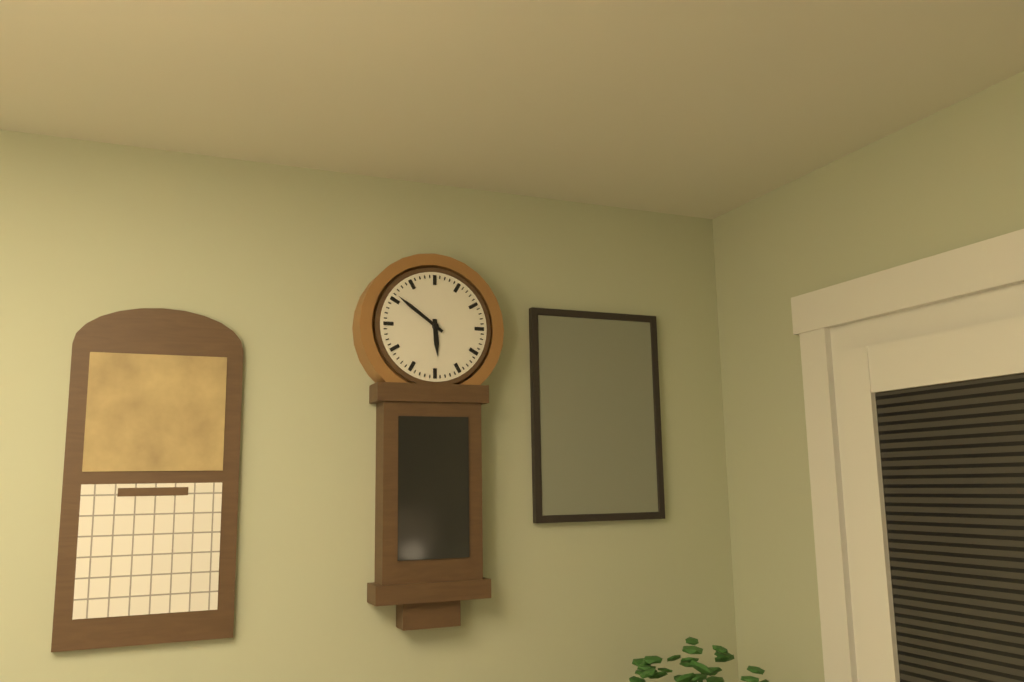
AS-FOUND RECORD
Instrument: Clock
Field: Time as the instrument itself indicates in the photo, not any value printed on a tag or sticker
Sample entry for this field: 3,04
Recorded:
5,51
